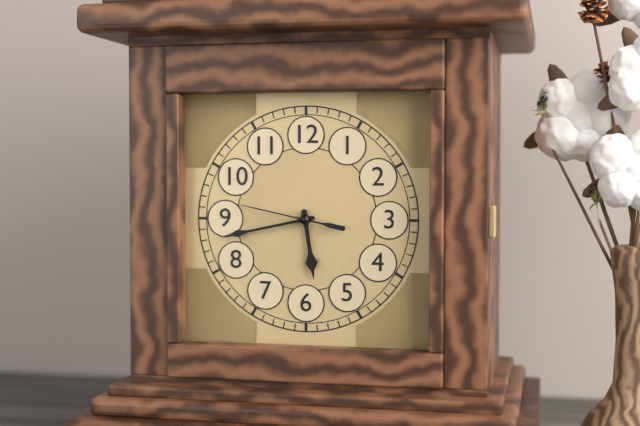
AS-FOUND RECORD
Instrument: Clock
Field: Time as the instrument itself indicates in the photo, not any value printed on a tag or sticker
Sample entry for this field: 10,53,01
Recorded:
5,43,47
